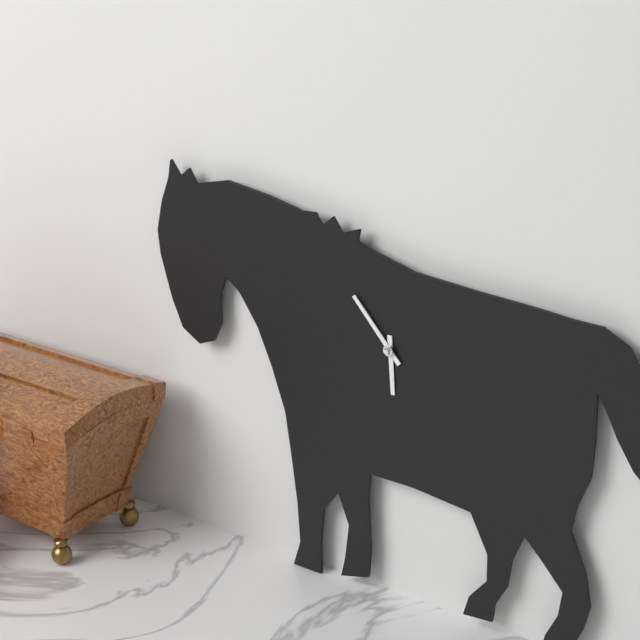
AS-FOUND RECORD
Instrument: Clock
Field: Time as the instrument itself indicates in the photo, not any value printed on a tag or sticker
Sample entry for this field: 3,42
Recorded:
5,53
